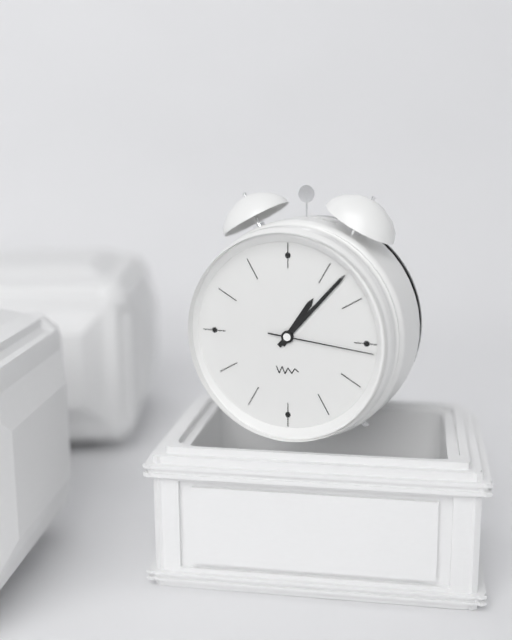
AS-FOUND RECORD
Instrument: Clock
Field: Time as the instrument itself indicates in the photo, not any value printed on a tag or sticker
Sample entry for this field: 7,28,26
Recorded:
1,07,16
